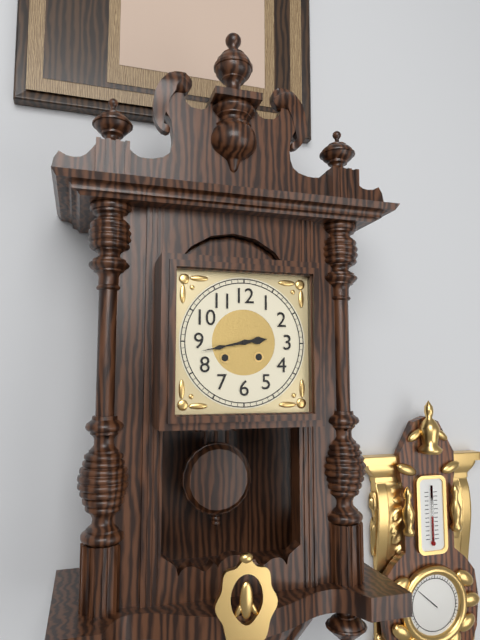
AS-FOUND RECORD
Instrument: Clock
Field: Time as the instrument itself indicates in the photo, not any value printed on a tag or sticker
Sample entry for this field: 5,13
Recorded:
2,43
